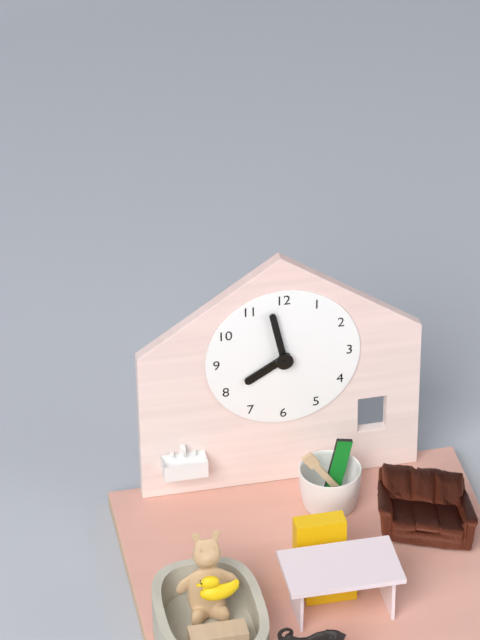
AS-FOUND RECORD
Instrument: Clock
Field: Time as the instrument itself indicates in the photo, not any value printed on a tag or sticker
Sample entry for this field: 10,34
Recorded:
7,58
